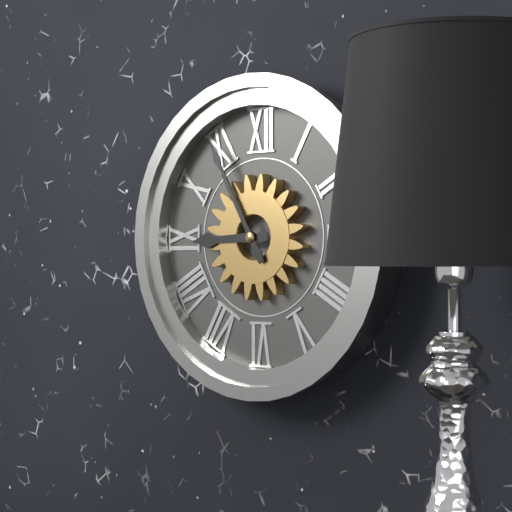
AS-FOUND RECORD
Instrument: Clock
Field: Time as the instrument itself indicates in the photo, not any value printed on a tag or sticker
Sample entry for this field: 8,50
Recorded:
8,55
